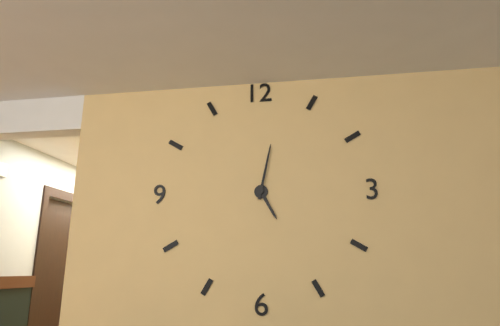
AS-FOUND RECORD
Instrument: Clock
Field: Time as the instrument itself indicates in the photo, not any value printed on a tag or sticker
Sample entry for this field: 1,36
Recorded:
5,02
